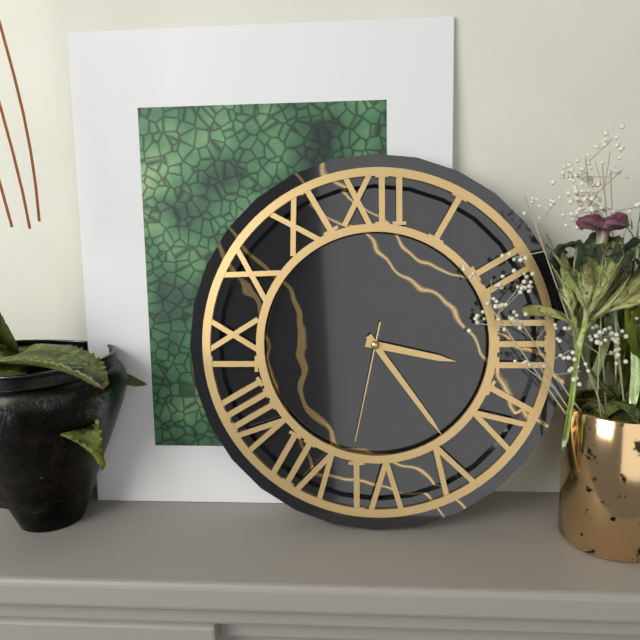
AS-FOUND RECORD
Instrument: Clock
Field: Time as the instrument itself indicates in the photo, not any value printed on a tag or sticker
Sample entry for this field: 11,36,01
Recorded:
3,24,32
